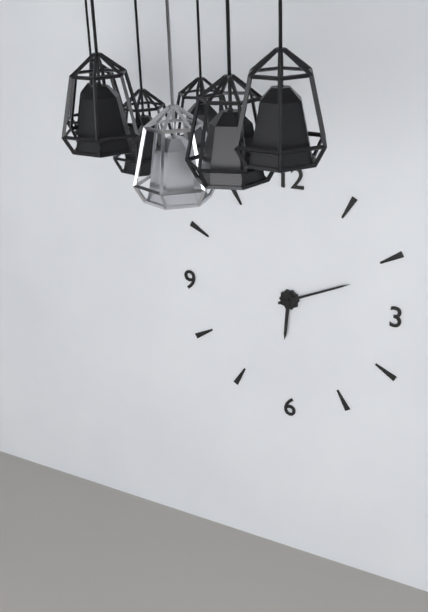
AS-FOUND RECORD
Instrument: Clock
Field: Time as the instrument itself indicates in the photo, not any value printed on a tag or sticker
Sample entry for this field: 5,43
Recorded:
6,11
